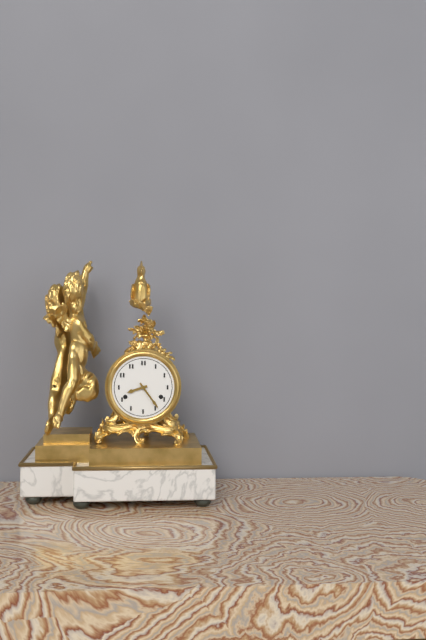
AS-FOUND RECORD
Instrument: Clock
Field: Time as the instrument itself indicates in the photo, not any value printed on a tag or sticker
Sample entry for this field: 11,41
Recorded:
8,24
